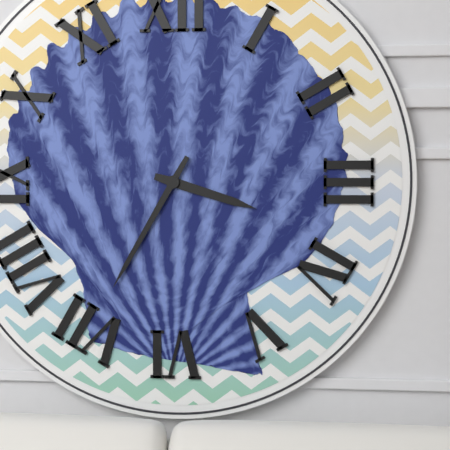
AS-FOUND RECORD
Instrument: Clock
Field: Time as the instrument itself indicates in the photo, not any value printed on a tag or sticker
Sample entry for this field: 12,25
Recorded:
3,35
